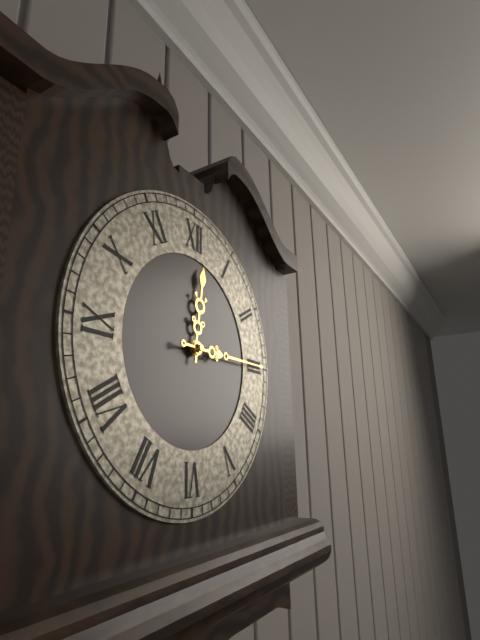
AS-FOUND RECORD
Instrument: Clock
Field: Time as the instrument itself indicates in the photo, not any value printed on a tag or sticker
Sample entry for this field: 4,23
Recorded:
12,15
